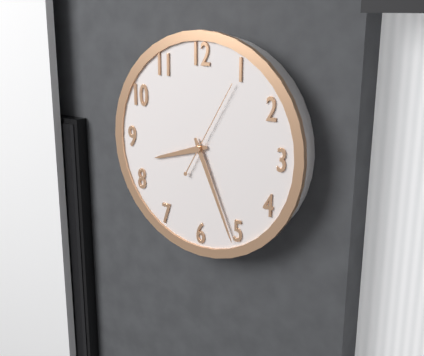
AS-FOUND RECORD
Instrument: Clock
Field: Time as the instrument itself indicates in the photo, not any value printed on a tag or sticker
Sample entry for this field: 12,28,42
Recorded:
8,26,05
